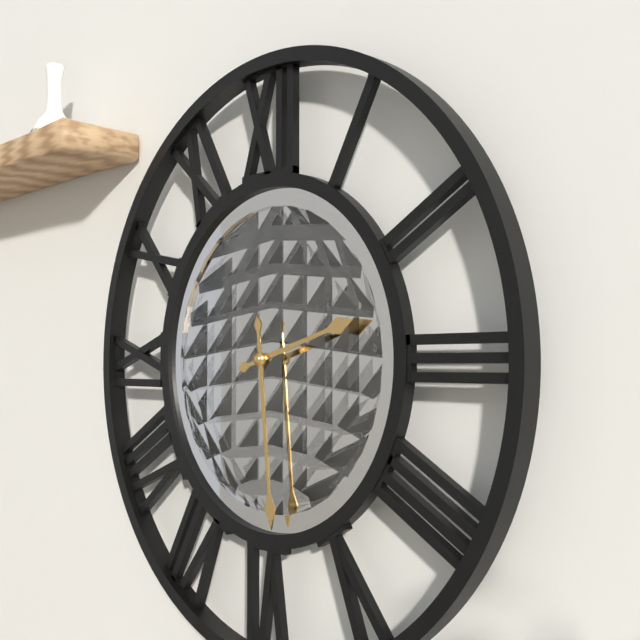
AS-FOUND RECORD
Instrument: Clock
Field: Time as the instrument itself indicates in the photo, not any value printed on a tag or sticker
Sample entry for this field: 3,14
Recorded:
2,29
